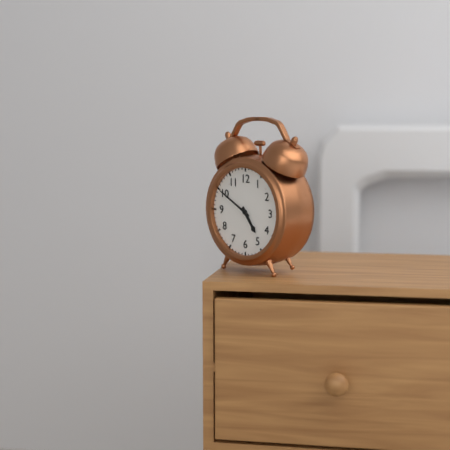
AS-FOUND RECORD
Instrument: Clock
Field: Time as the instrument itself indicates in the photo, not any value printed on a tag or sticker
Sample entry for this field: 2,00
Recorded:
4,50
